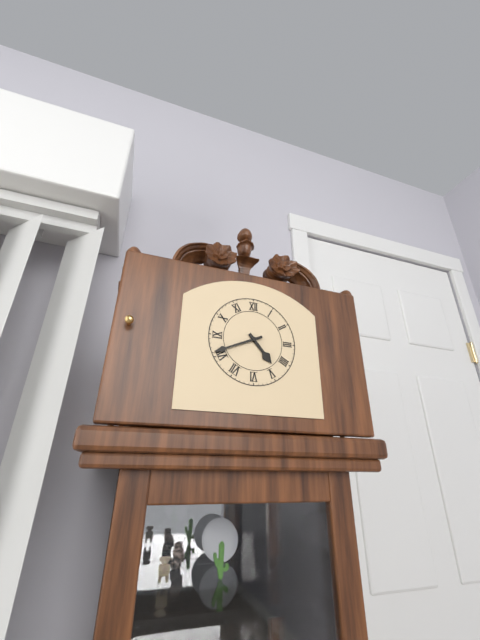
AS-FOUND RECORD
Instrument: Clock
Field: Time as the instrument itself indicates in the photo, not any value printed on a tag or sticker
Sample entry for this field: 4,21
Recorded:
4,41
